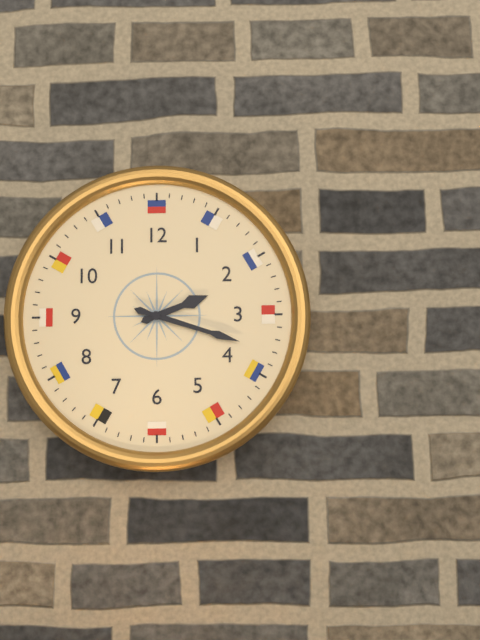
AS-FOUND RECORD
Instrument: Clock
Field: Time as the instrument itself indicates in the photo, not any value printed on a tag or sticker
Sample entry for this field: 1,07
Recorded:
2,18
